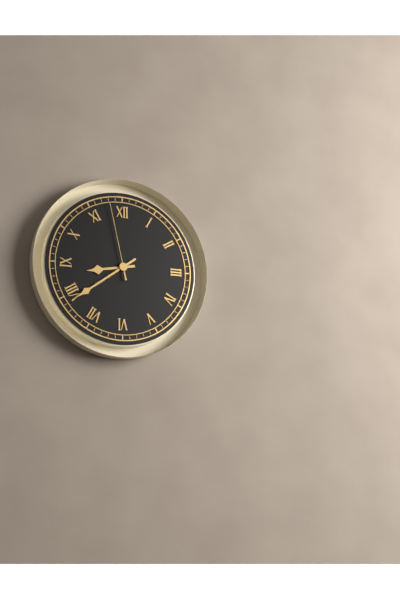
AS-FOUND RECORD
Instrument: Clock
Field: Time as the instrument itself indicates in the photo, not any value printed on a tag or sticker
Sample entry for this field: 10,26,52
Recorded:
8,39,58
